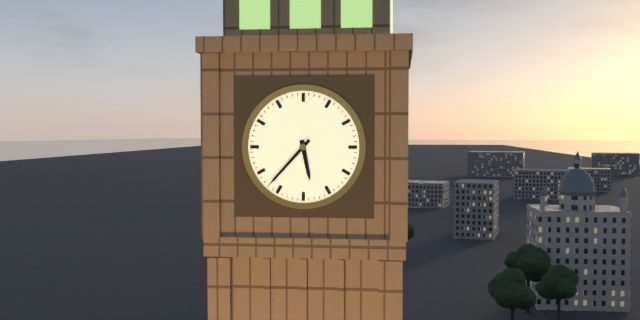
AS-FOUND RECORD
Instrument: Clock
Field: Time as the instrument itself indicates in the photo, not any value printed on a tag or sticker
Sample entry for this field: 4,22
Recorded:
5,37
